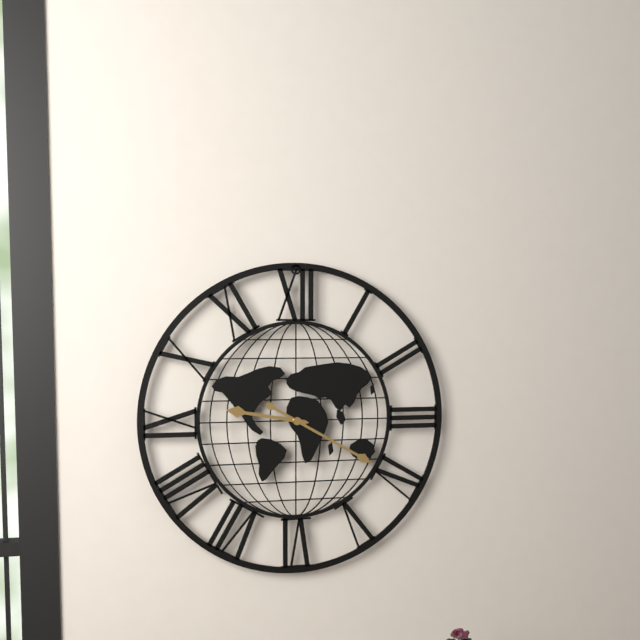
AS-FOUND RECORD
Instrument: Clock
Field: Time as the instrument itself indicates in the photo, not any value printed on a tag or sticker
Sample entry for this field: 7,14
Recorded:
9,20
